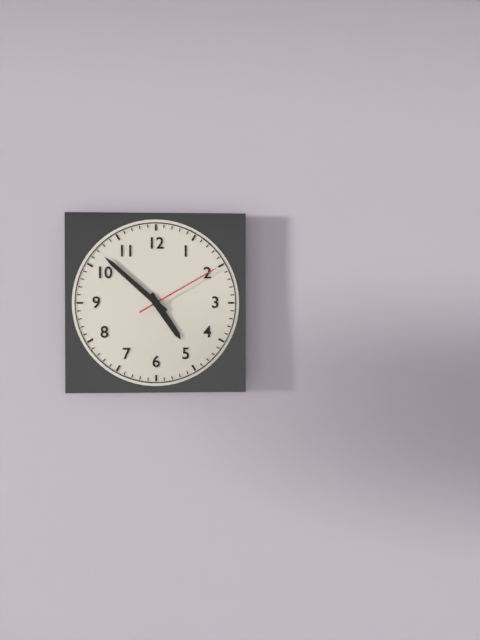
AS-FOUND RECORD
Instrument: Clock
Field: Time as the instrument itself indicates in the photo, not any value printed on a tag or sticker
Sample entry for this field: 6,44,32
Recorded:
4,52,10
